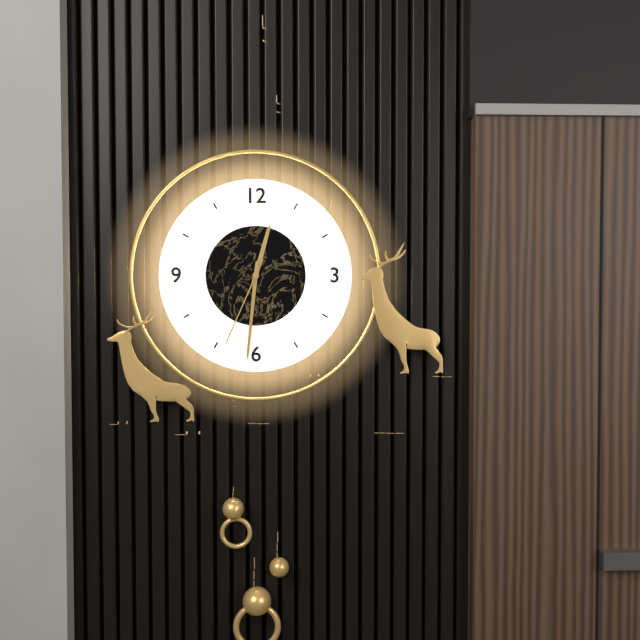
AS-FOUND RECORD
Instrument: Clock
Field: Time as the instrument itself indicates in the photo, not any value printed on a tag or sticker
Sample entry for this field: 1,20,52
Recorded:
12,31,34
